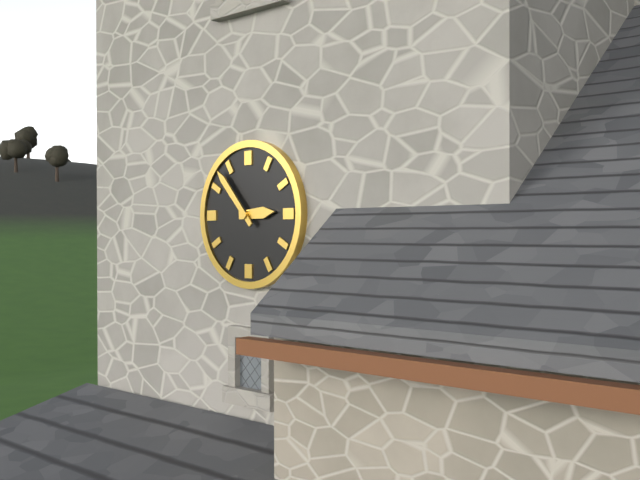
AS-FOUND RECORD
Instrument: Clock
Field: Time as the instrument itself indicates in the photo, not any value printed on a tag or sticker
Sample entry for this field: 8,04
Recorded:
2,53
